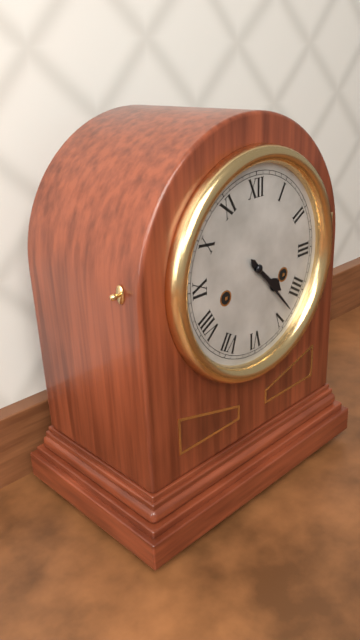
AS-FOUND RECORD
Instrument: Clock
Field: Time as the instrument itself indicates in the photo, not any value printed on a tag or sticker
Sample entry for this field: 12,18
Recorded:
4,23
